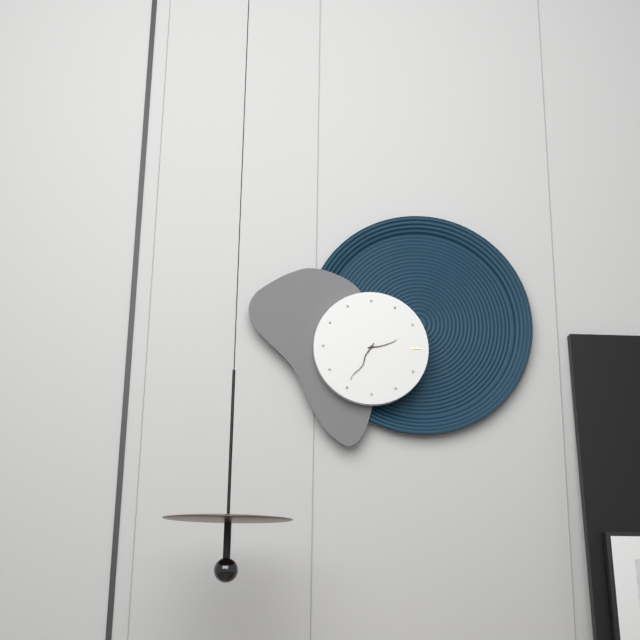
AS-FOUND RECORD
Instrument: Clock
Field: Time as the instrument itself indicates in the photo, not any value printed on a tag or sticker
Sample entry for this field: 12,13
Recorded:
2,35
